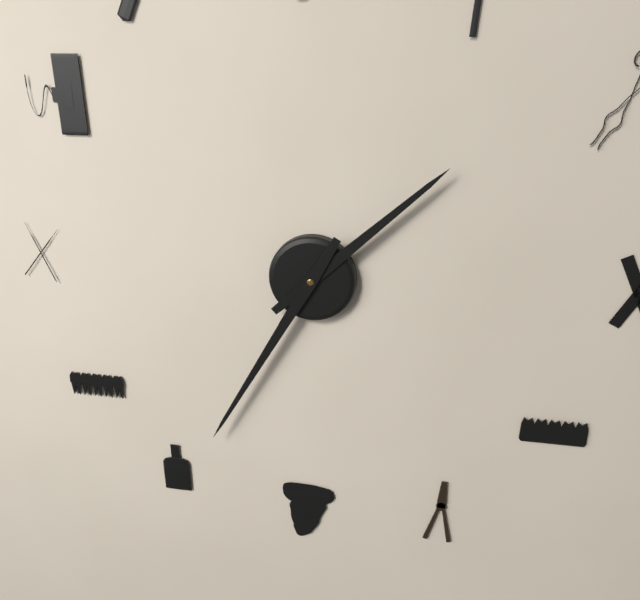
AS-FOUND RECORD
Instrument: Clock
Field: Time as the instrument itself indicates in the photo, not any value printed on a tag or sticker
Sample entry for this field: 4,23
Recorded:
1,35
